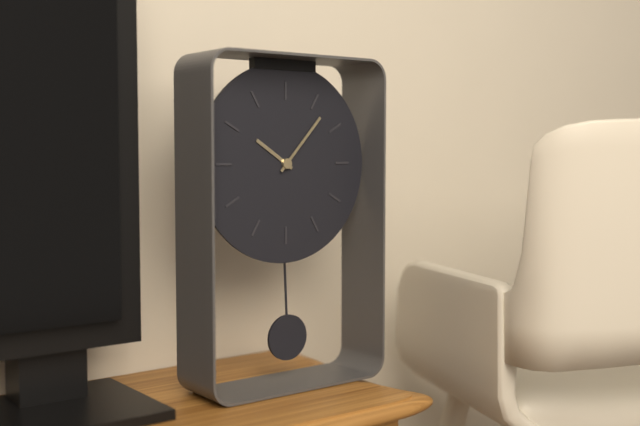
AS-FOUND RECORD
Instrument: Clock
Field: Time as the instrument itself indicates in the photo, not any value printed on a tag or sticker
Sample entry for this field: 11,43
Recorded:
10,07
